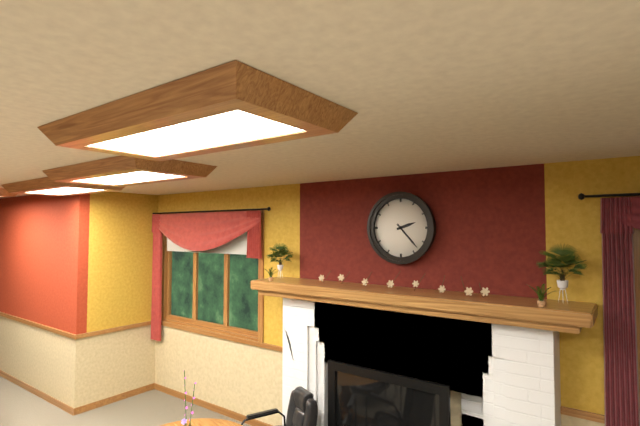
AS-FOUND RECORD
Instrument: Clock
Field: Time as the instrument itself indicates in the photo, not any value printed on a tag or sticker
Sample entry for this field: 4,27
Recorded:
2,23
